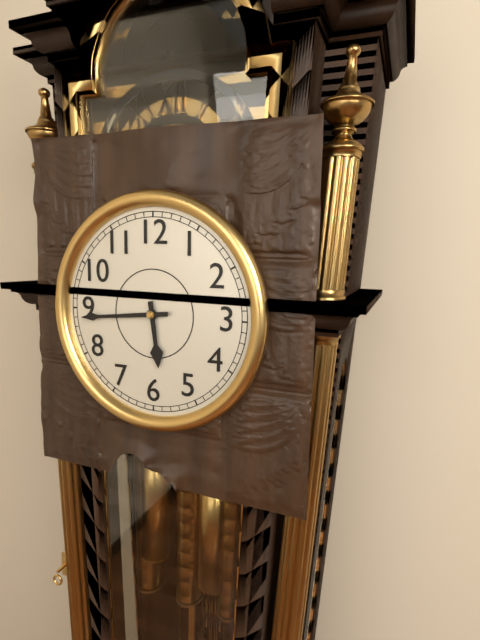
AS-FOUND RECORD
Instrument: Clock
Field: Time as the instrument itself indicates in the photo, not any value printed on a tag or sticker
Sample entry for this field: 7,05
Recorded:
5,44
